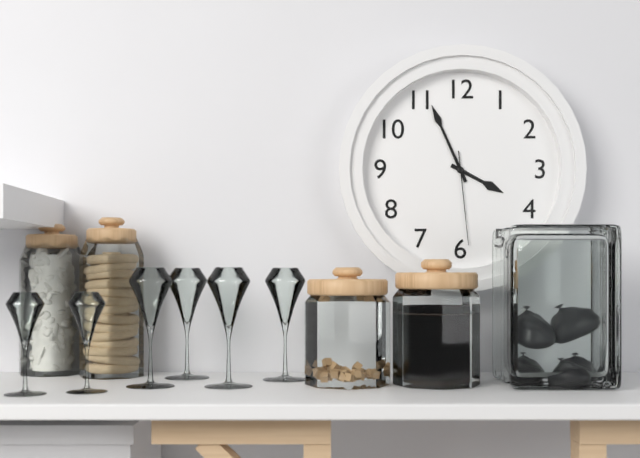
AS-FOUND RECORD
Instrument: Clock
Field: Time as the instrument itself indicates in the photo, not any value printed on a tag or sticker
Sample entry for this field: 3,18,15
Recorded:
3,56,29
